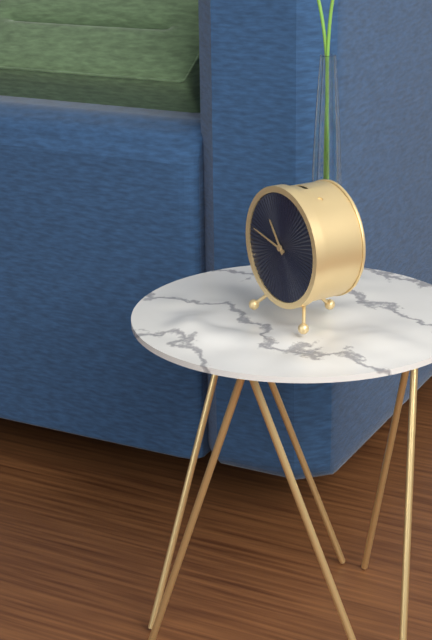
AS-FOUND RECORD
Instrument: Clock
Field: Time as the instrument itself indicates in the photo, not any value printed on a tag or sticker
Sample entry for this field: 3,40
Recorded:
10,47
